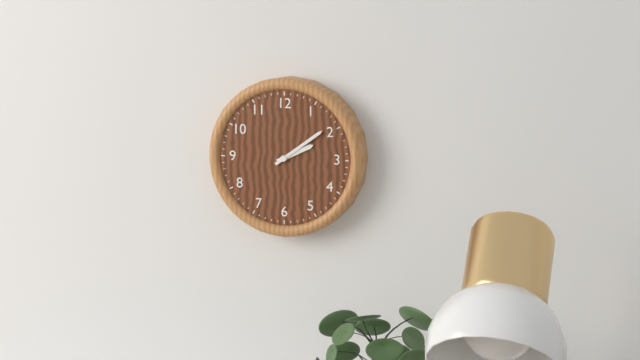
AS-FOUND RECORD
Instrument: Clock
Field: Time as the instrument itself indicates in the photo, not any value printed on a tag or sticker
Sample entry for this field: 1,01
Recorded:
2,09
